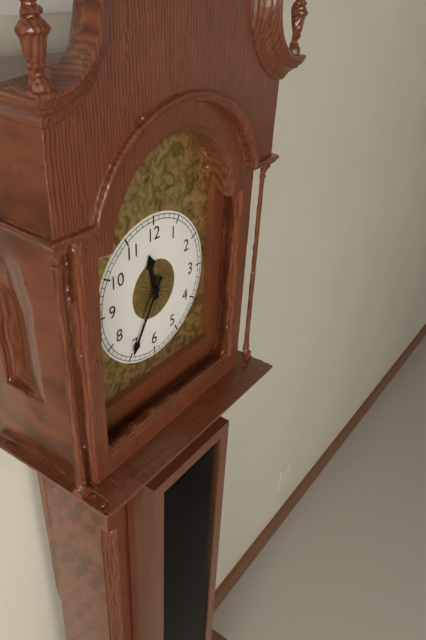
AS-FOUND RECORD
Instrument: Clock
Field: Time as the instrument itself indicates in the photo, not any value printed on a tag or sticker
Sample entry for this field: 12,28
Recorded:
11,35
